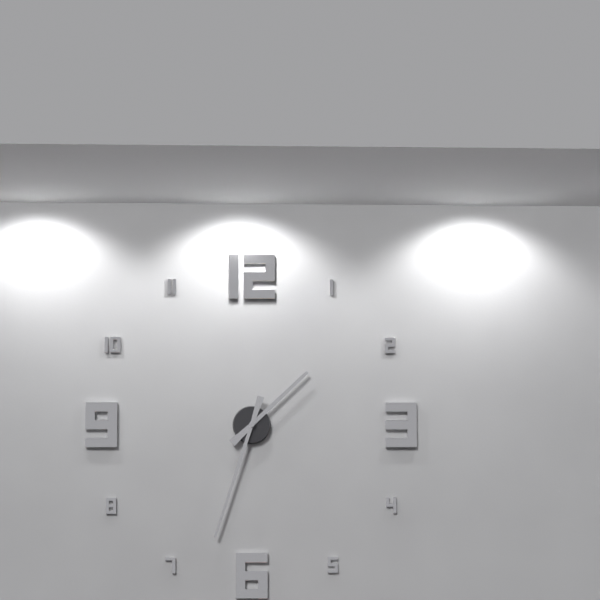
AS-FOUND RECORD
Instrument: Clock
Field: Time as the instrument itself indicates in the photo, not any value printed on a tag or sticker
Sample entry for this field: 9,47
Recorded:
1,33
